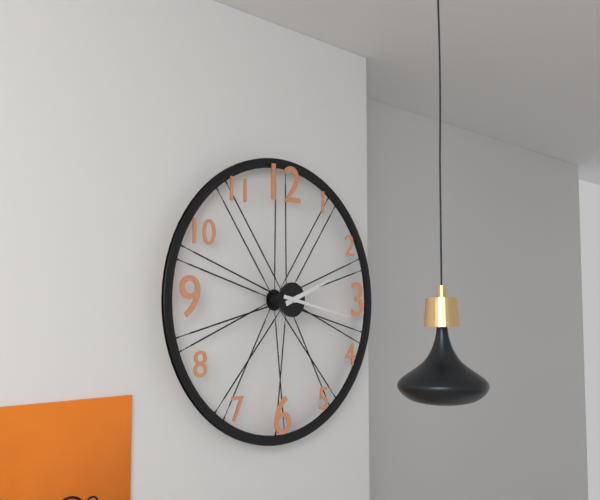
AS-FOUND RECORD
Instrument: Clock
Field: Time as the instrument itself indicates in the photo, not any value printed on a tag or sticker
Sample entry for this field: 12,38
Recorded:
2,17
